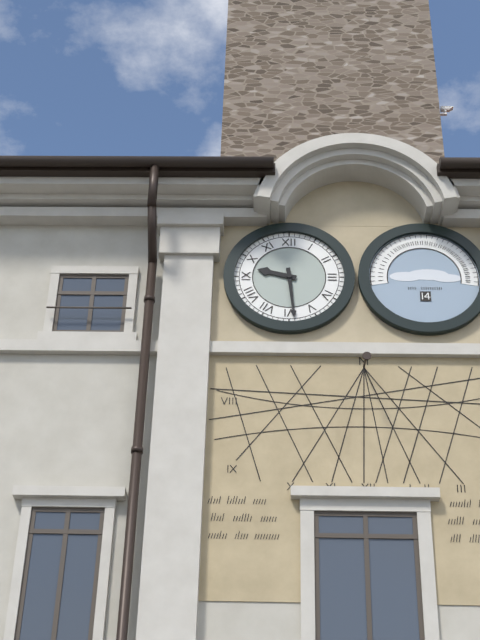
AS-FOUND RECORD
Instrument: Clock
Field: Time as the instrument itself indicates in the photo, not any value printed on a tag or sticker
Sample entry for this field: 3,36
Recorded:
9,29
